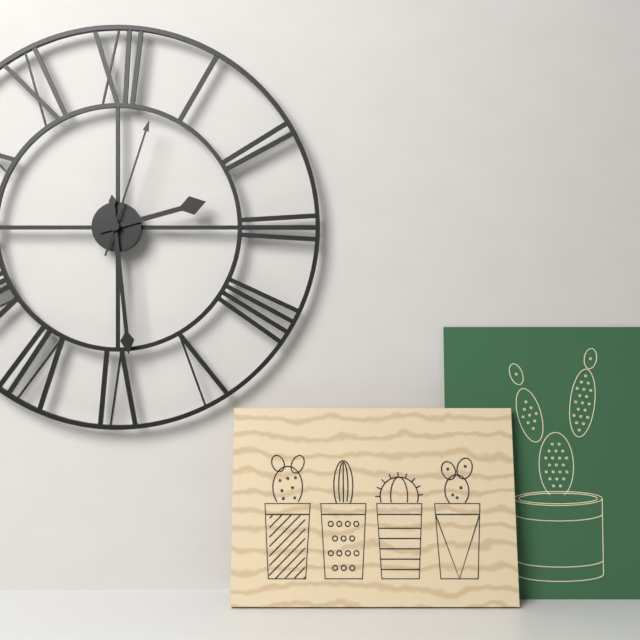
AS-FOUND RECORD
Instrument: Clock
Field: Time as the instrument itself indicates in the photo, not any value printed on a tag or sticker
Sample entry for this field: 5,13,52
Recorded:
2,29,03
